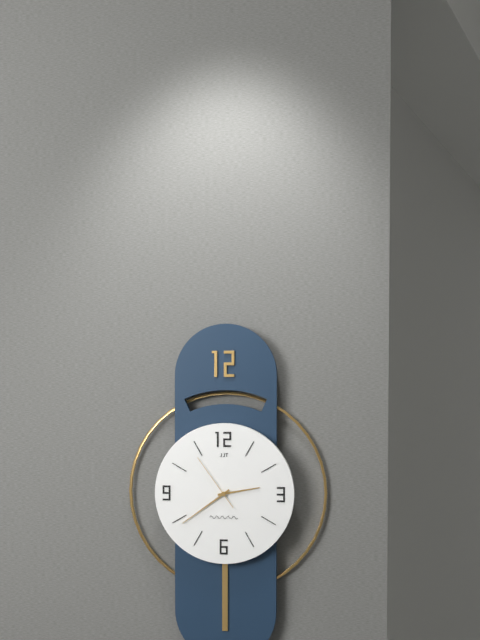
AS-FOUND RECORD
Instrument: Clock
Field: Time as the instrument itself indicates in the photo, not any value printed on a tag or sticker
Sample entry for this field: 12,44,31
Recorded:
2,39,54
